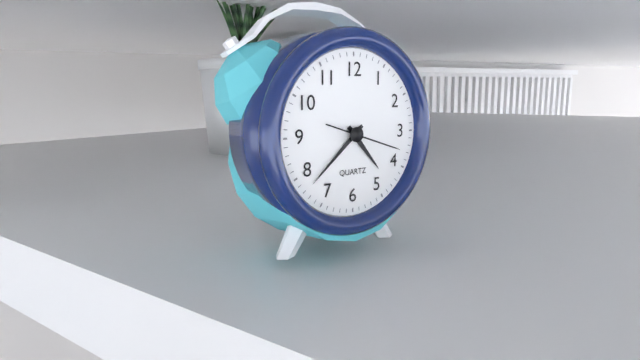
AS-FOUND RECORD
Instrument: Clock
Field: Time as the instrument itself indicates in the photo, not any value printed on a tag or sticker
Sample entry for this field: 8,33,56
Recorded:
4,38,18
